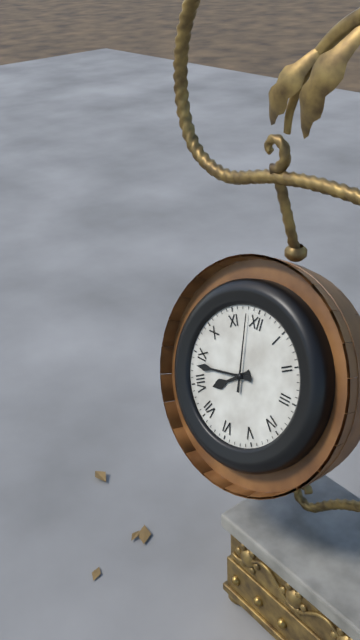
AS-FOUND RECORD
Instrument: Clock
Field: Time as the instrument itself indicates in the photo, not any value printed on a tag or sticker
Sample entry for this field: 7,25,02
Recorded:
7,43,58
